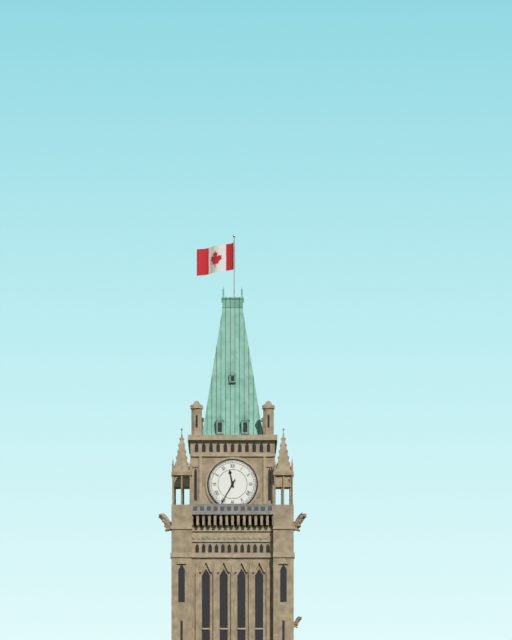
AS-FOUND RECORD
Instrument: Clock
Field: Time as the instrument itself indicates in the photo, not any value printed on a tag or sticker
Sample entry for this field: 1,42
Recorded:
11,35
